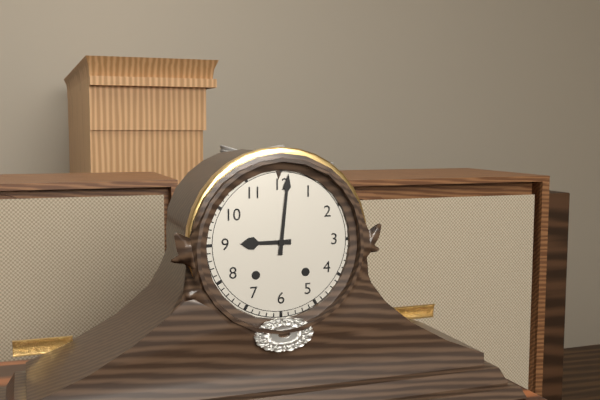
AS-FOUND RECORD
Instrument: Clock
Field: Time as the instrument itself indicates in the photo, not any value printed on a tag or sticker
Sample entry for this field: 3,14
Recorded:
9,01
